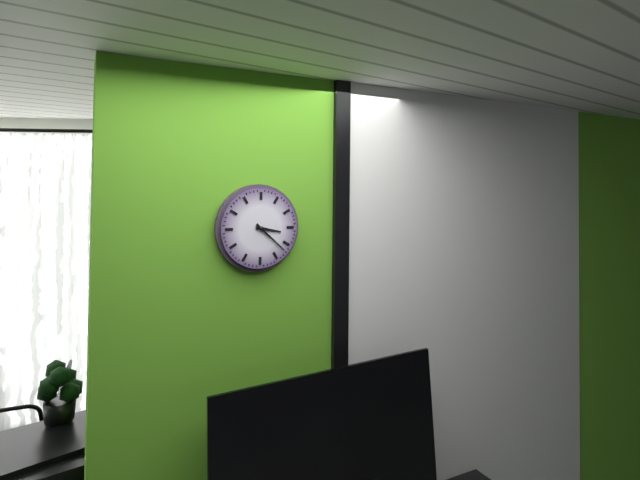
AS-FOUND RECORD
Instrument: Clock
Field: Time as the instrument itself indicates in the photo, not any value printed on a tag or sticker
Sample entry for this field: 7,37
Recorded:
3,22
